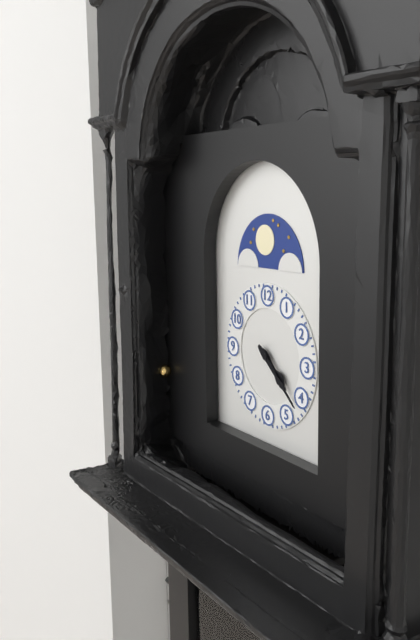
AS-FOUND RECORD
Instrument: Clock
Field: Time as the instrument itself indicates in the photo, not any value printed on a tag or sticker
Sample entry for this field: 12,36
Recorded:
4,22
